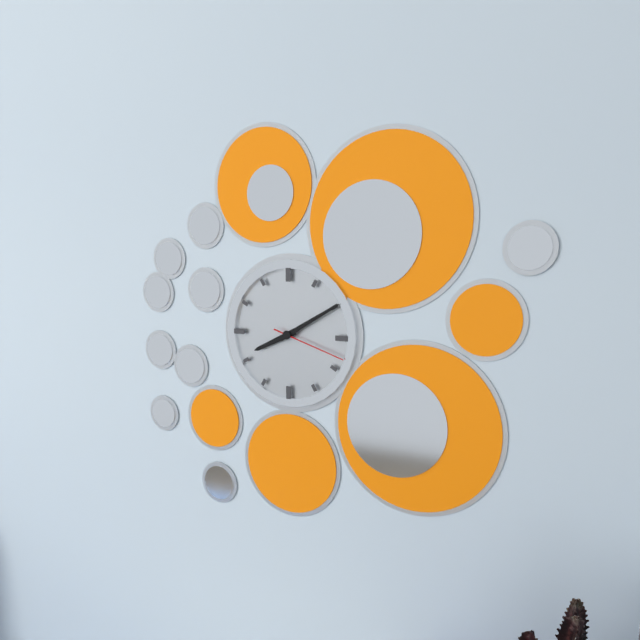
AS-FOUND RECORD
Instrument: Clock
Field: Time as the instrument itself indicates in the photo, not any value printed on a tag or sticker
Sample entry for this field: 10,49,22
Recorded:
8,10,18
